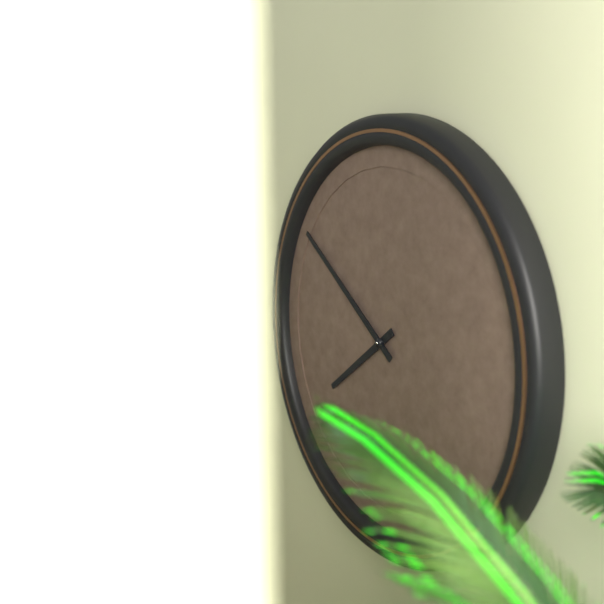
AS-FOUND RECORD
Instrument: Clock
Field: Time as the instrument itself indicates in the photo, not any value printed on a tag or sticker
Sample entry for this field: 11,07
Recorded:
7,51
